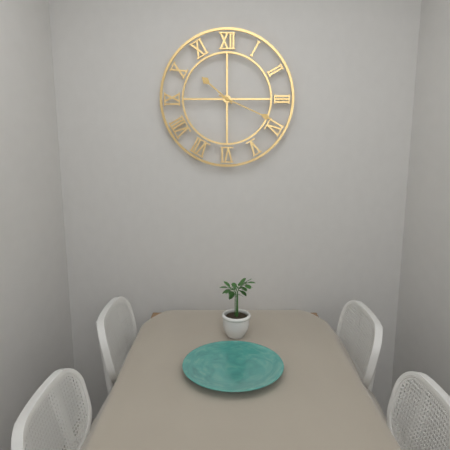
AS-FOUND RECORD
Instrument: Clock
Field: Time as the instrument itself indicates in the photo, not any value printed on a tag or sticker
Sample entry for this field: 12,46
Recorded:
10,19
